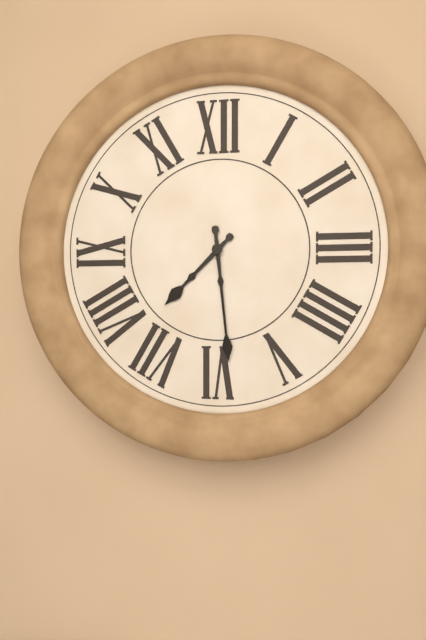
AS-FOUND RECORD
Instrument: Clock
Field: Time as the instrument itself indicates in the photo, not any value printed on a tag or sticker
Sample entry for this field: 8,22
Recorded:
7,29
